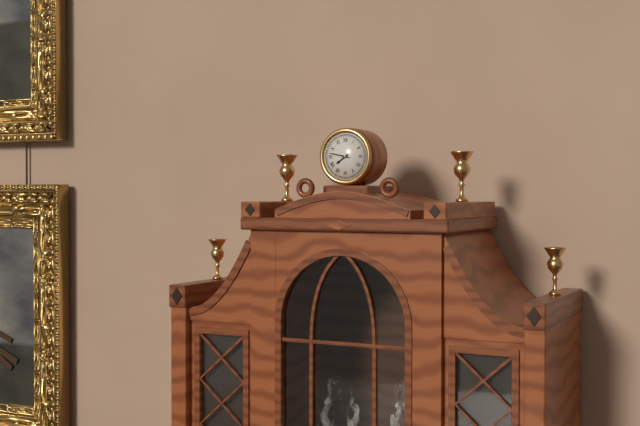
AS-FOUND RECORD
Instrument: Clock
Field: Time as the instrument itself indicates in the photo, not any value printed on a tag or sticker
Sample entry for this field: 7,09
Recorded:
7,47
